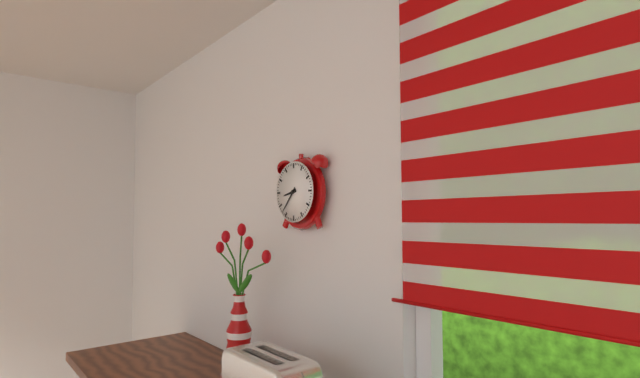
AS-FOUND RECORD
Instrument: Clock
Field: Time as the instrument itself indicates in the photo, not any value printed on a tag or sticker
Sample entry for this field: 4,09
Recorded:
8,37
